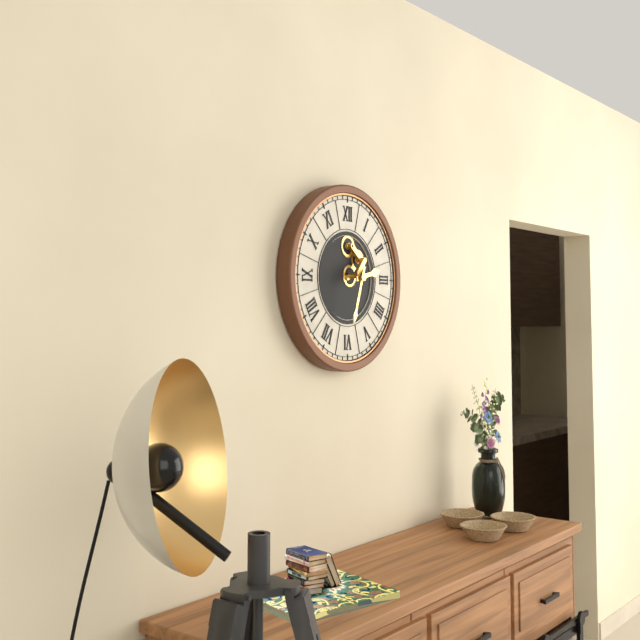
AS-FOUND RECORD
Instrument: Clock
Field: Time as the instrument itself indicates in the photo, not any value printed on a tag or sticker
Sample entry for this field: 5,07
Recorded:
2,33
